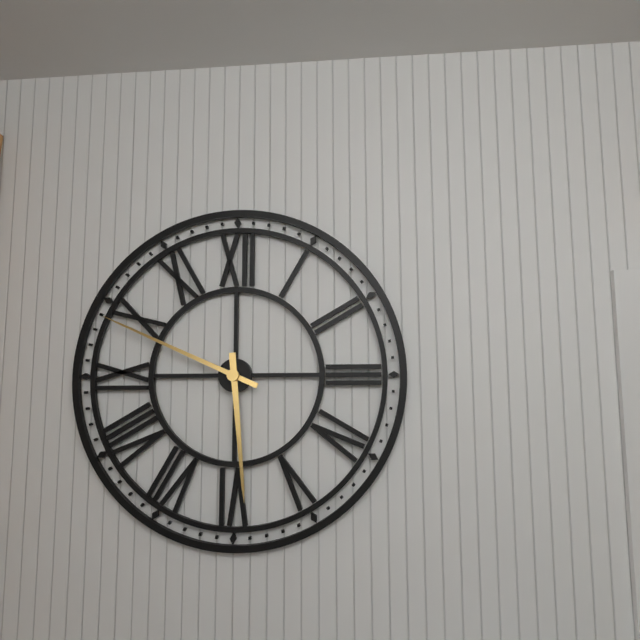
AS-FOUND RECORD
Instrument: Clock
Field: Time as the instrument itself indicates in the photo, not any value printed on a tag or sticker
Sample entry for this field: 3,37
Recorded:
5,49
